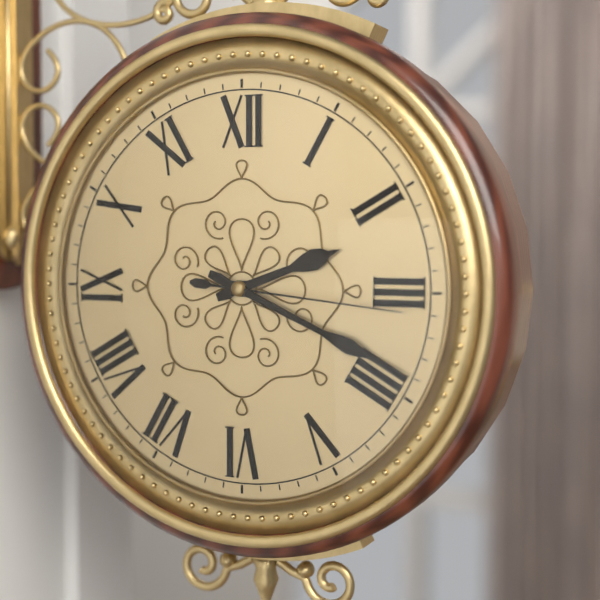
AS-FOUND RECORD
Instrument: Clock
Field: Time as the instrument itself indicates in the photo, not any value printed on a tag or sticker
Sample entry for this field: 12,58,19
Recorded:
2,19,16
